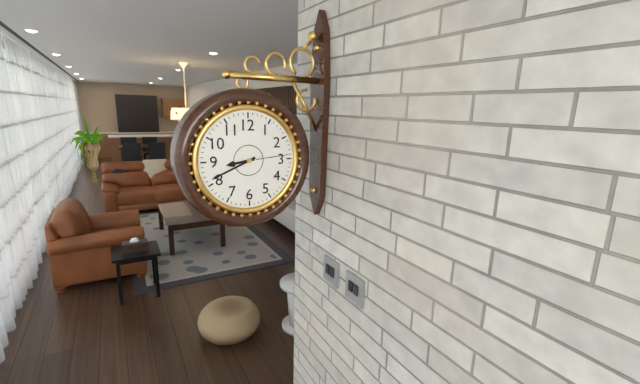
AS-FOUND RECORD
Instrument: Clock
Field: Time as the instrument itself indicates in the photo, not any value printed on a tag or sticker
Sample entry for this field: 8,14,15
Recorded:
8,41,14
